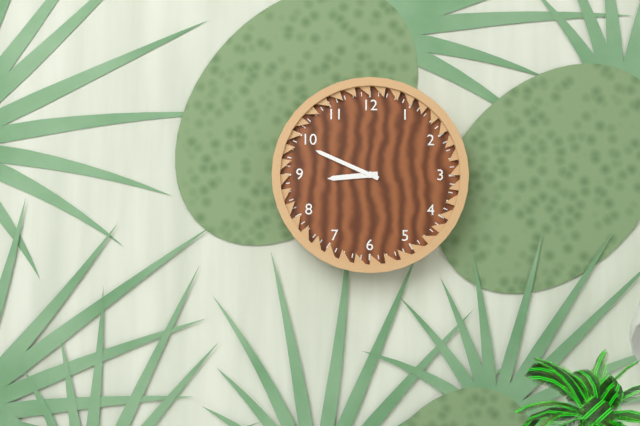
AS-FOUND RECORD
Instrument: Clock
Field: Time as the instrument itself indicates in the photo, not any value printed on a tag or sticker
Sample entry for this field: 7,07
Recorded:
8,49
